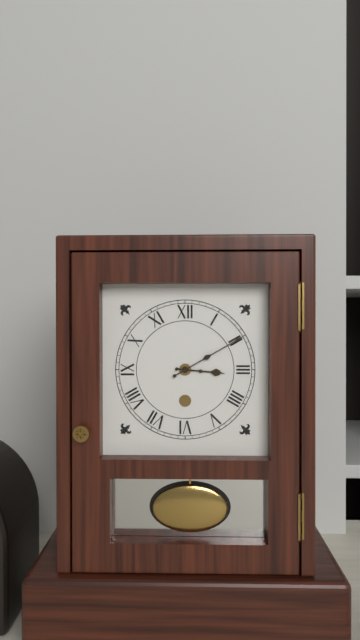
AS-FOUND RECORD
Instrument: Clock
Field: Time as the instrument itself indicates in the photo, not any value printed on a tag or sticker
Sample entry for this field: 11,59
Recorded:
3,10
